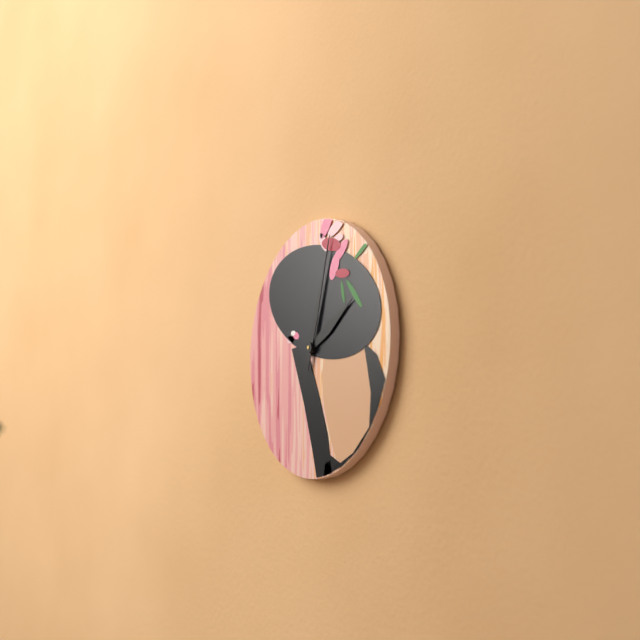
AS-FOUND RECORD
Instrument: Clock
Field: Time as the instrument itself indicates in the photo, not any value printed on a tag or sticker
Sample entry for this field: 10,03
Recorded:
2,03
